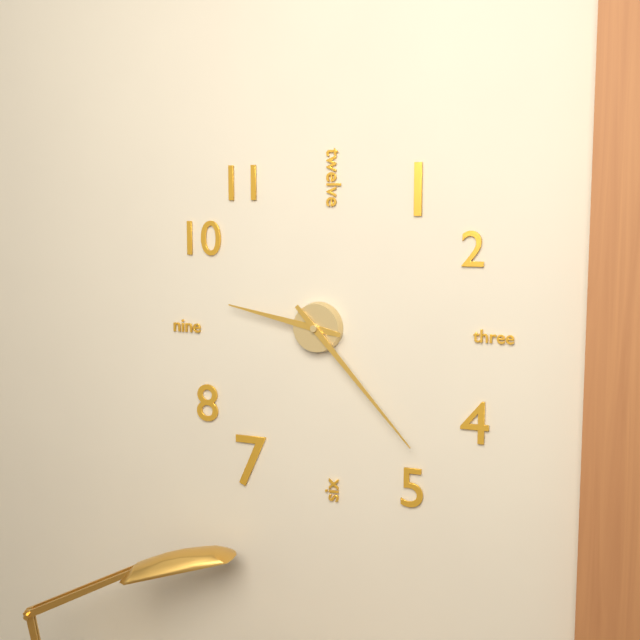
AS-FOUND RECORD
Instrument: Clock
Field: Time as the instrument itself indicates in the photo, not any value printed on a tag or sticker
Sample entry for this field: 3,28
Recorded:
9,23
